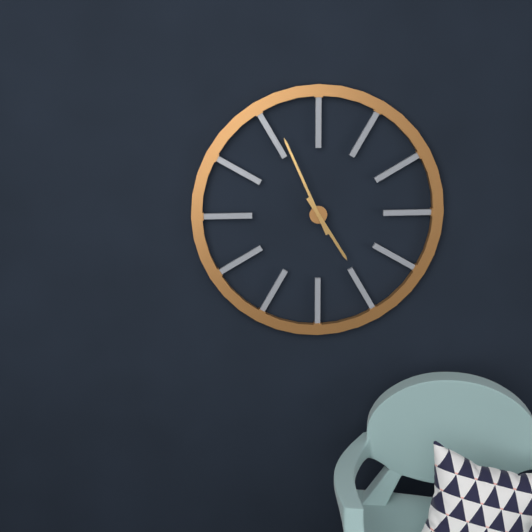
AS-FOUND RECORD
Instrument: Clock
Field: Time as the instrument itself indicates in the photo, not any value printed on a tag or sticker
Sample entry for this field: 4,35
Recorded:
4,56
